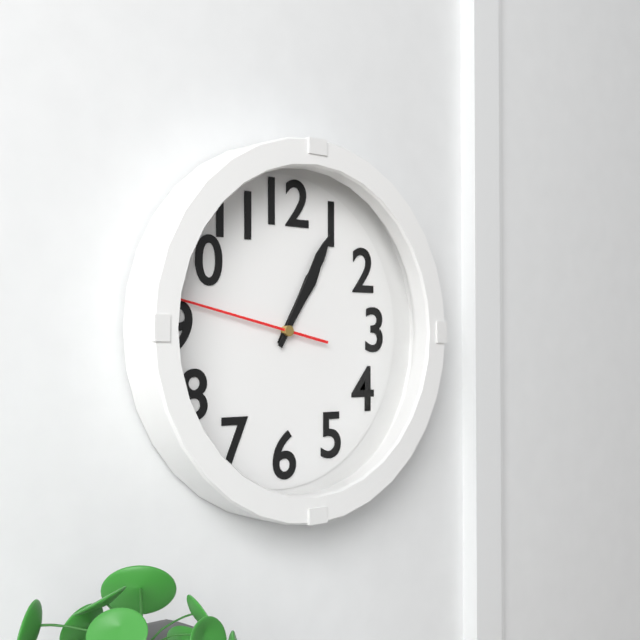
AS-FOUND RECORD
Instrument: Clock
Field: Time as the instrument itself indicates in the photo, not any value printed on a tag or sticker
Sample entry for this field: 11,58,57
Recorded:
1,05,47
